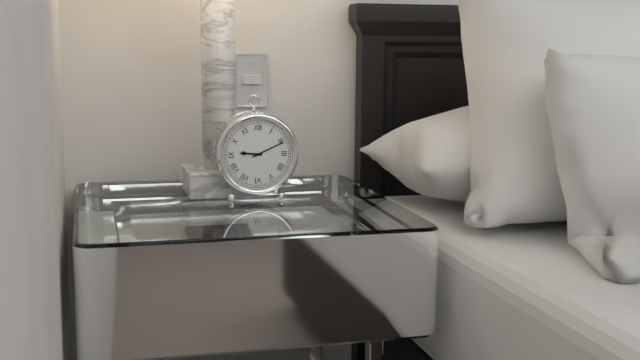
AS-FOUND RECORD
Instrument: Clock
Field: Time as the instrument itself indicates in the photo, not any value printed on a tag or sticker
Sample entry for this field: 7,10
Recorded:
9,11
